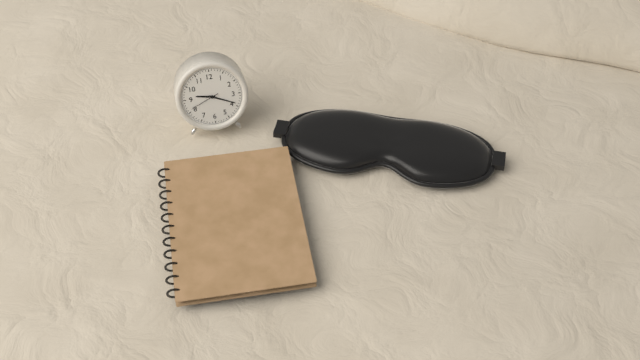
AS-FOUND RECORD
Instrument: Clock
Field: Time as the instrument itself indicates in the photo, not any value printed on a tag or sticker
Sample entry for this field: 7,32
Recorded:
9,19
